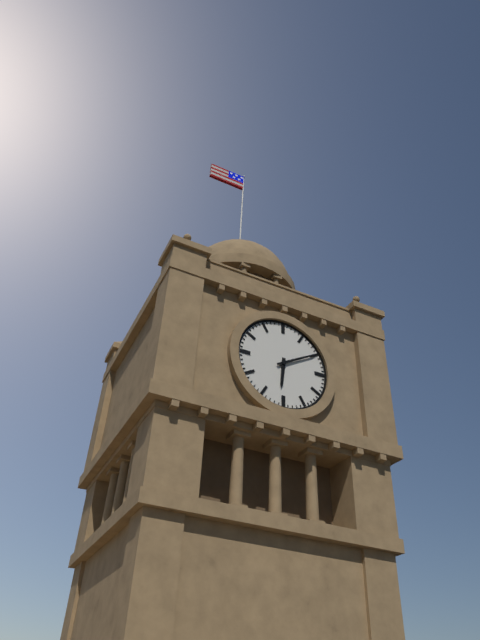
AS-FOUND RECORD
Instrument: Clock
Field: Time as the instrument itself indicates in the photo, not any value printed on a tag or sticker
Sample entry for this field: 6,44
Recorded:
6,10
